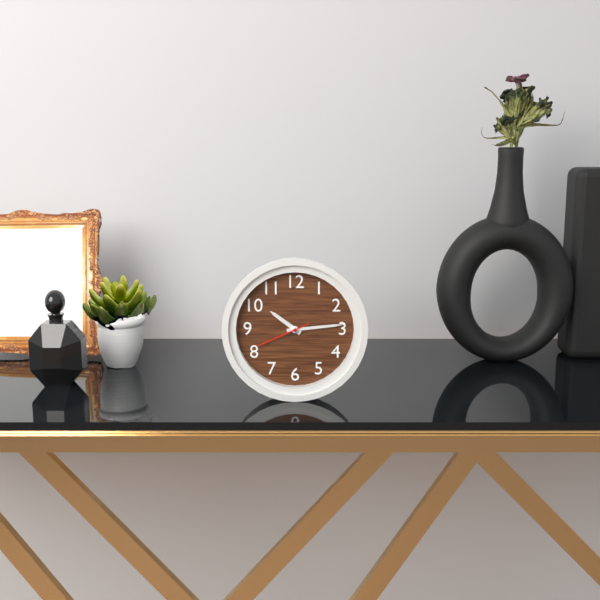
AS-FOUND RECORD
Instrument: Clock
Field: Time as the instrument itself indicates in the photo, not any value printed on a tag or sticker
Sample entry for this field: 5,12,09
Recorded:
10,14,41
